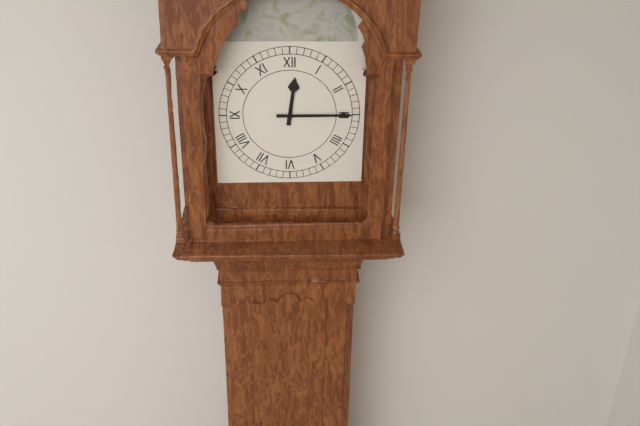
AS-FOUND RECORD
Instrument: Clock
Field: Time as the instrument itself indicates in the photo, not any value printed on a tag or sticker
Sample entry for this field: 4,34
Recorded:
12,15
